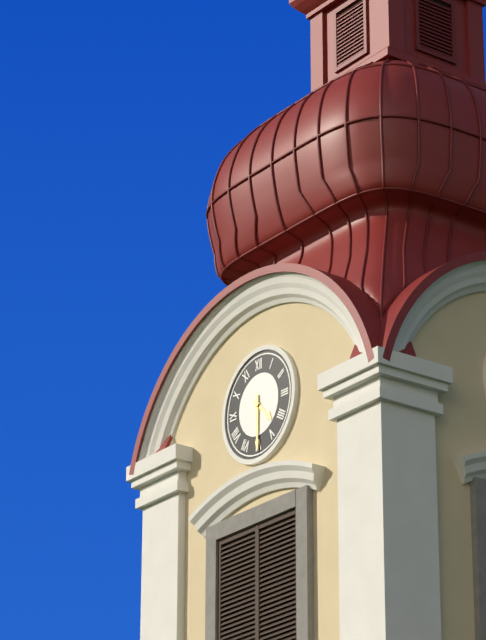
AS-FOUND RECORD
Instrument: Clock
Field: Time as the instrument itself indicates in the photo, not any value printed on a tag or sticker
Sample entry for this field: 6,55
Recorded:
4,30
